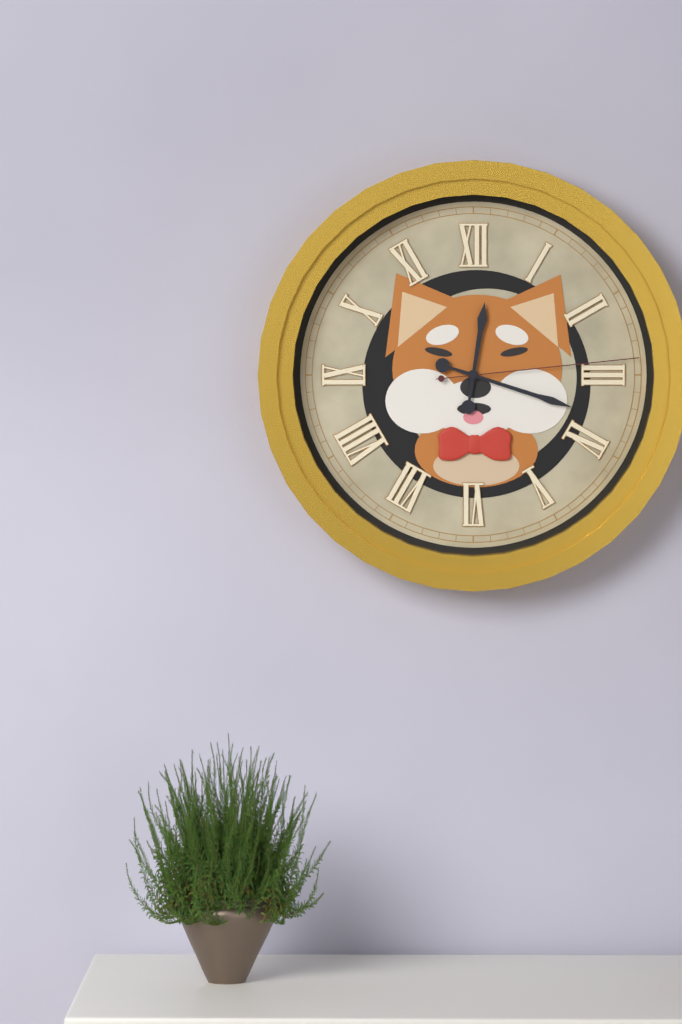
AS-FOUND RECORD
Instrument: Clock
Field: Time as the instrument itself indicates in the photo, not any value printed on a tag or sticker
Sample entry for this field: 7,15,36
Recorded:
12,18,14
